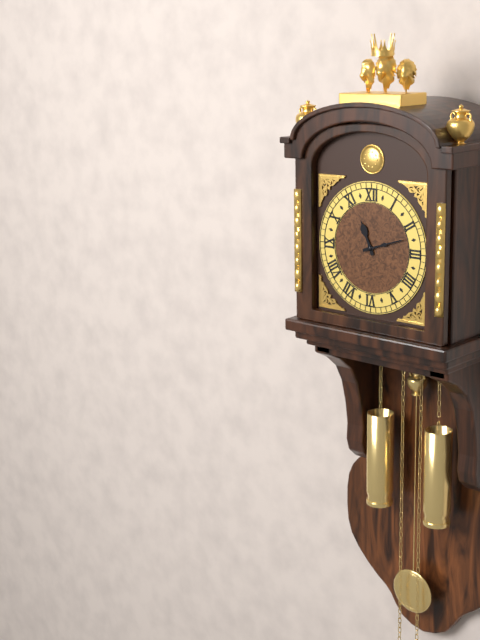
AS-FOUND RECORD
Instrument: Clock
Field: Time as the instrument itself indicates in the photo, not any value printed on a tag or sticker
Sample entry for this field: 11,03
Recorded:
11,12
